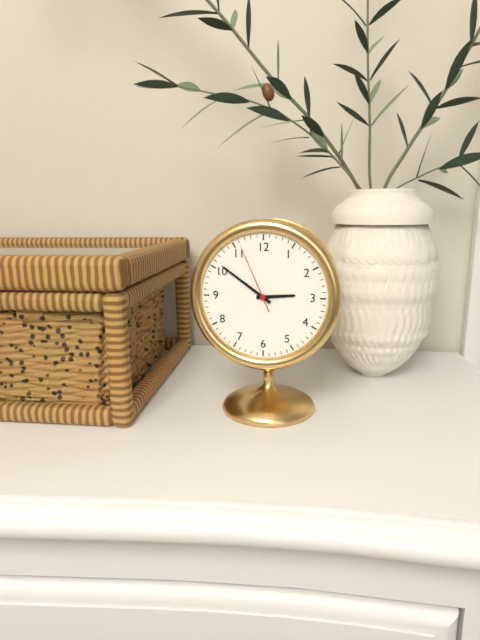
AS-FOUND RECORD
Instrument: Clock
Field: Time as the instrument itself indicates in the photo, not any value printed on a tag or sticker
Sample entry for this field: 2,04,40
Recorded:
2,51,56
